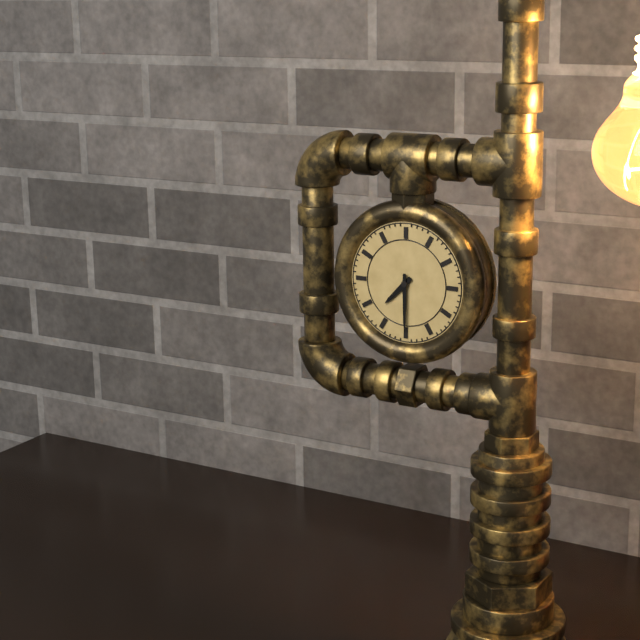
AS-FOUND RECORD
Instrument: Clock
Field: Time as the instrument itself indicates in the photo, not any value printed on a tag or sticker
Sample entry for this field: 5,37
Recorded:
7,30
